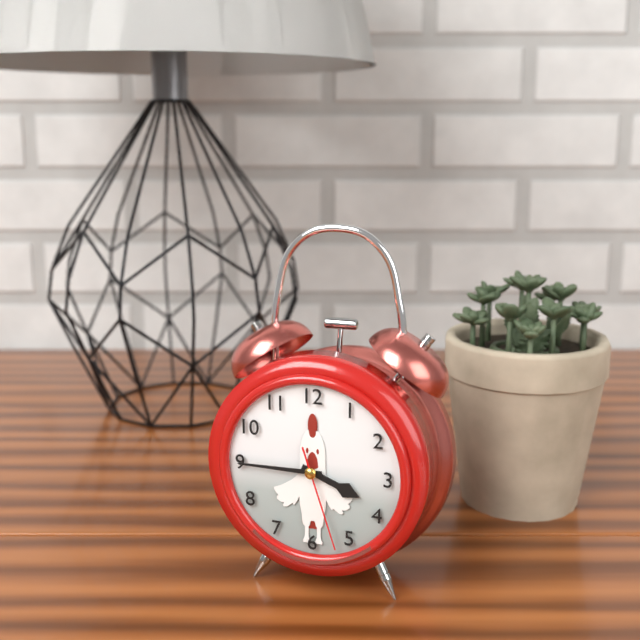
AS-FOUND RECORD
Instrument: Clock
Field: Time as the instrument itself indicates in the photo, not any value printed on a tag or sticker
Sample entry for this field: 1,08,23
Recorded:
3,45,27
